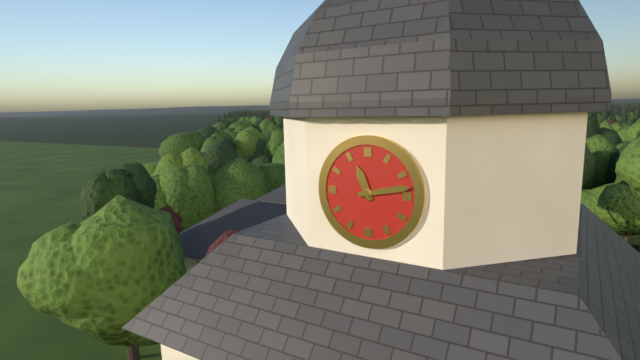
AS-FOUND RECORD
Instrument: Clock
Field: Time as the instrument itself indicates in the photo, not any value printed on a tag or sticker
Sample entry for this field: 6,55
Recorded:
11,13
